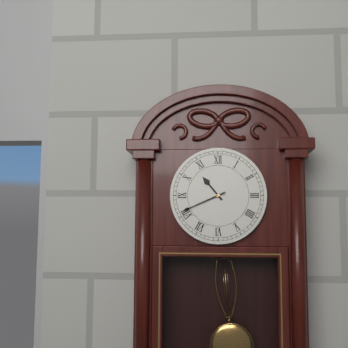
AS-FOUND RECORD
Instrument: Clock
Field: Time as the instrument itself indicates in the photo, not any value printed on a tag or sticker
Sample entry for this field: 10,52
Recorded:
10,41
